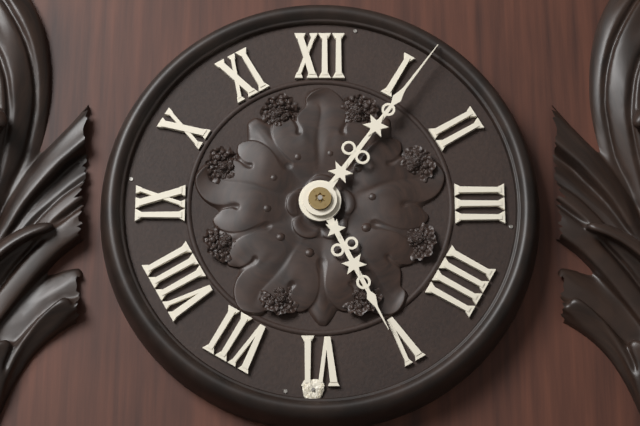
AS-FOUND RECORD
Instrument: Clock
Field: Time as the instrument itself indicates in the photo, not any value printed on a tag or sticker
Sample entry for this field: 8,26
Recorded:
5,06
